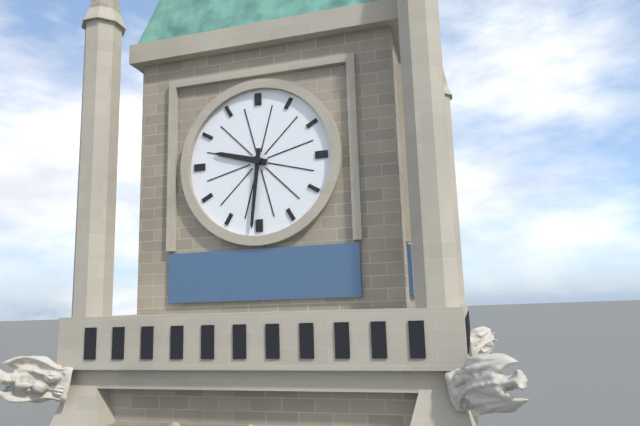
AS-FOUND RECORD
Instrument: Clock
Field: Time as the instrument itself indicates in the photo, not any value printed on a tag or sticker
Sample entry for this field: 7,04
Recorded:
9,31
